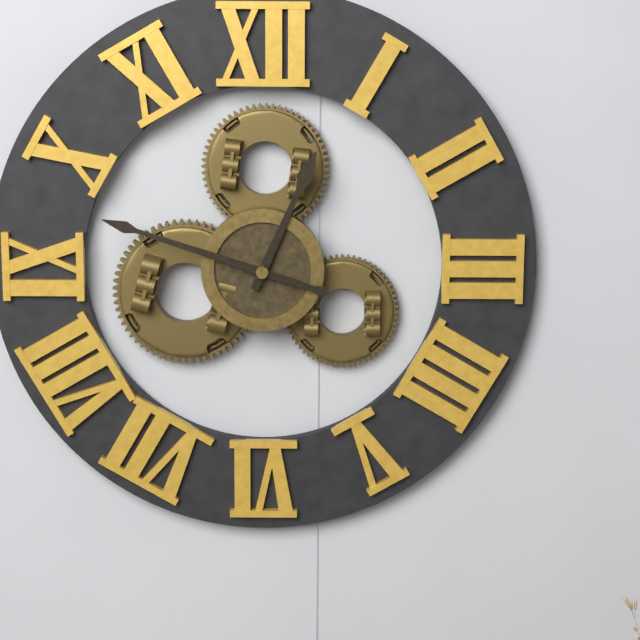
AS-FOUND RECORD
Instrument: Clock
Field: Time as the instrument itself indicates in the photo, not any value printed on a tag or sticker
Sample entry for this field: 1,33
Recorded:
12,48
